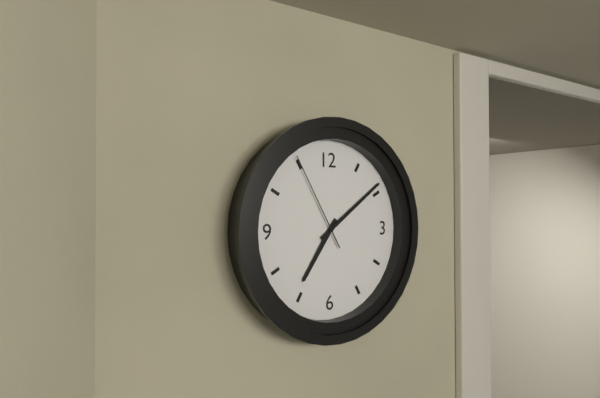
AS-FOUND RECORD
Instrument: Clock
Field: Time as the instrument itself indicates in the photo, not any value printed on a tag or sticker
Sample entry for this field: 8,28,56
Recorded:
7,09,55
